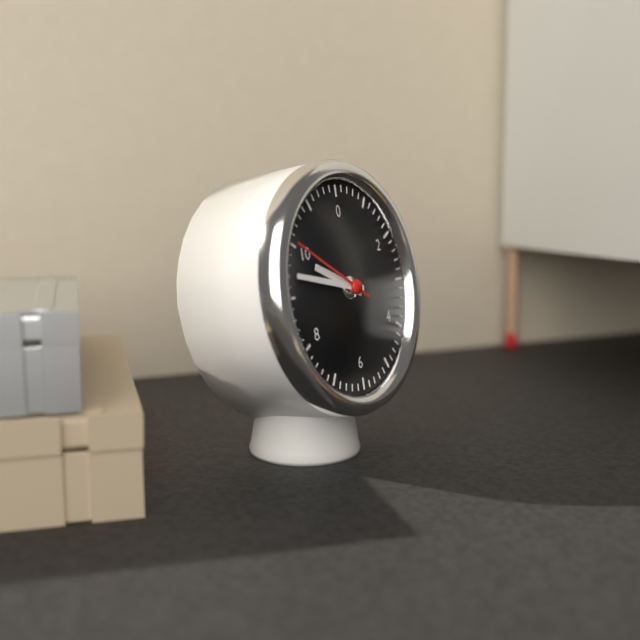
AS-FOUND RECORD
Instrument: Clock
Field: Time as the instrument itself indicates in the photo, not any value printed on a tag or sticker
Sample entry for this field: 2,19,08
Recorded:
9,47,50
